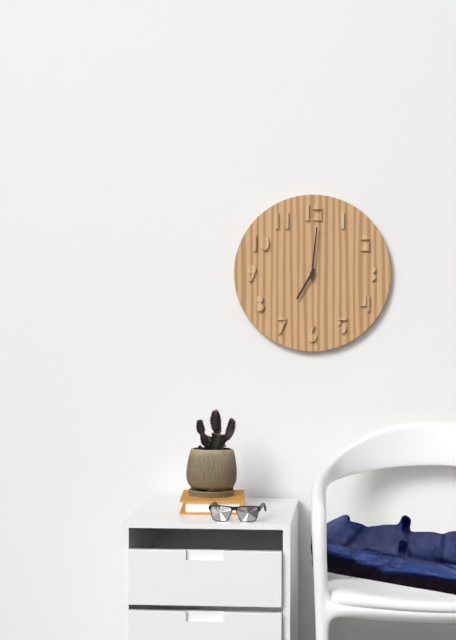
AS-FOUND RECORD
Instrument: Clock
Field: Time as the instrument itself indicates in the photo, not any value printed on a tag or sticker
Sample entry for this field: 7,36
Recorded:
7,01
